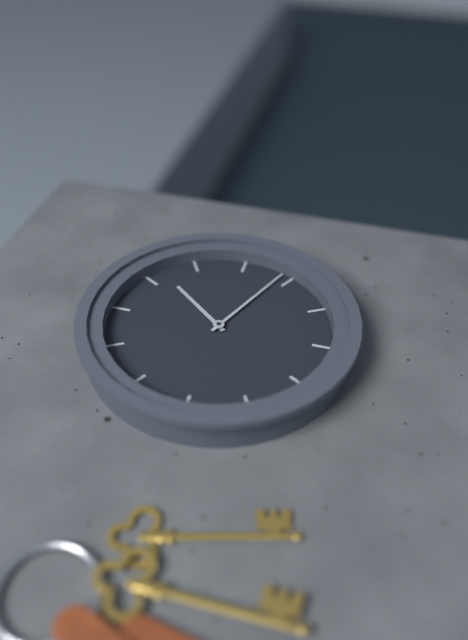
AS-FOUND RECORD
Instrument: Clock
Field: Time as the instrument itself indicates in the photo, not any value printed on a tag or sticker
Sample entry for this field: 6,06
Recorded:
1,19
